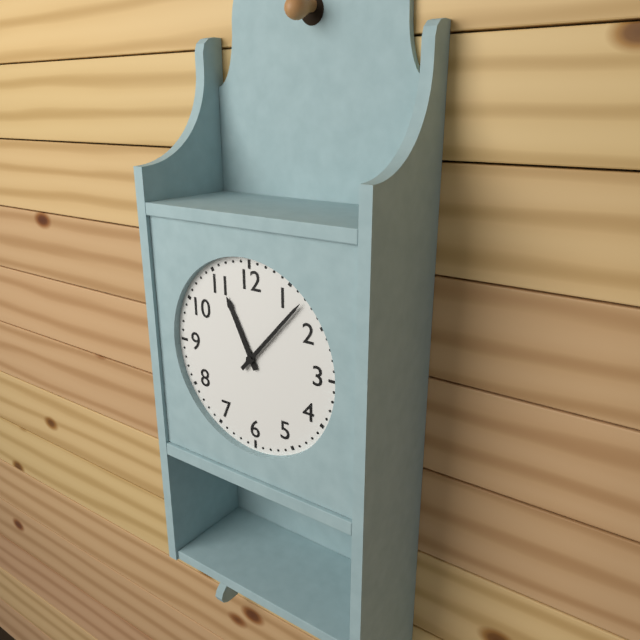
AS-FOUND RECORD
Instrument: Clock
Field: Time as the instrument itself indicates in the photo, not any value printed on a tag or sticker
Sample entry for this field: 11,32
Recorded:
11,07
